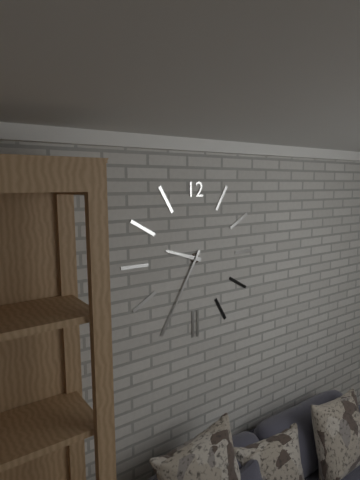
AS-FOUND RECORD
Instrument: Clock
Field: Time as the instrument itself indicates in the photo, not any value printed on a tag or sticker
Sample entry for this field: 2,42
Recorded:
9,35
